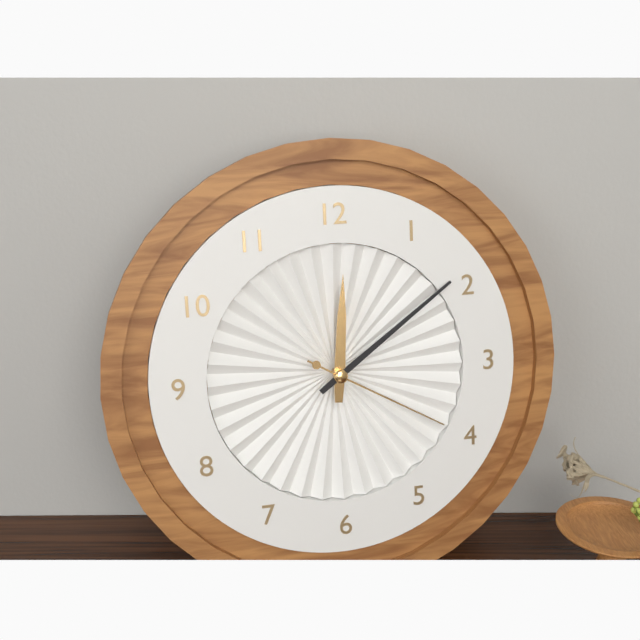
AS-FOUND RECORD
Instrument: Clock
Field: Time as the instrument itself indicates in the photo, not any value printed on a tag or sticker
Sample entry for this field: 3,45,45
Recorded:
12,09,20
